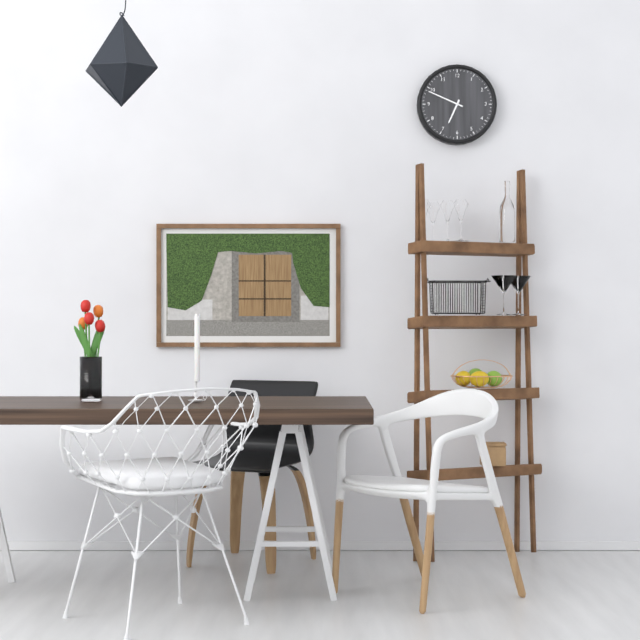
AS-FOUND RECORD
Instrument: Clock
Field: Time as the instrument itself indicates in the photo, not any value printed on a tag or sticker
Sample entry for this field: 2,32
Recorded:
6,49
